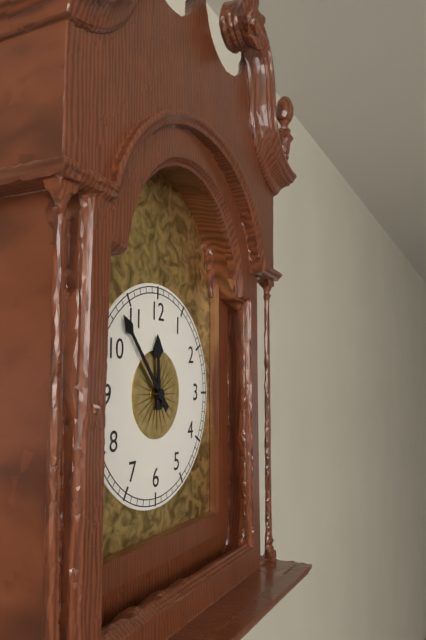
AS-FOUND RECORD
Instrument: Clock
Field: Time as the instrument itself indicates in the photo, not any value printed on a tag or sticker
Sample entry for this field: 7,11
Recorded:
11,53
